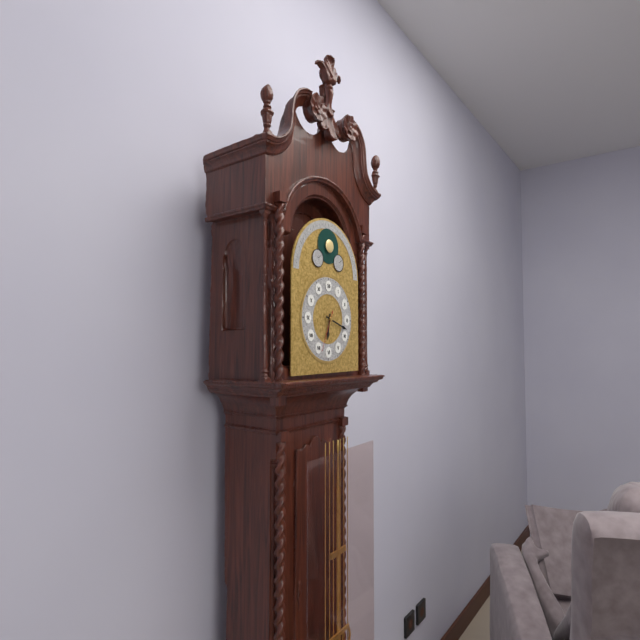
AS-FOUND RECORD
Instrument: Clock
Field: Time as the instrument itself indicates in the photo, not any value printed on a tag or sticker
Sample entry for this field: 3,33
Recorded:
6,18
